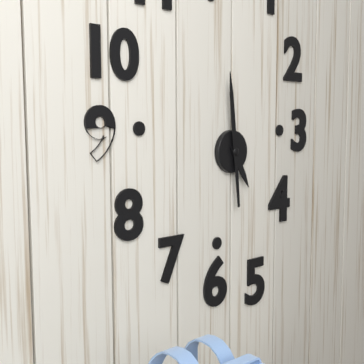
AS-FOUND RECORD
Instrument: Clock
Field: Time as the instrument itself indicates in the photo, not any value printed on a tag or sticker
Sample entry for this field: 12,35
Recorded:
4,59
